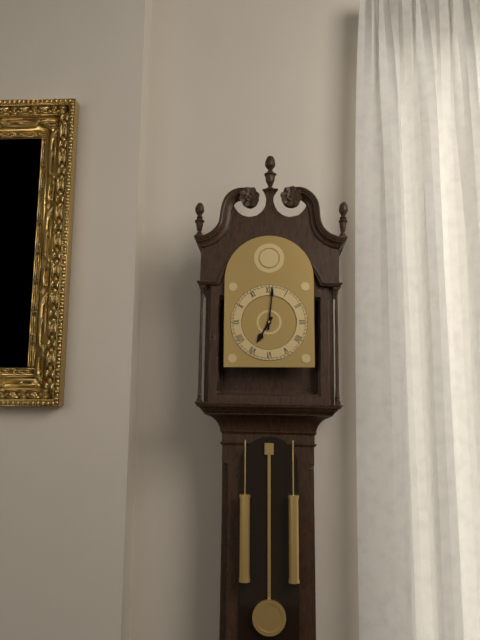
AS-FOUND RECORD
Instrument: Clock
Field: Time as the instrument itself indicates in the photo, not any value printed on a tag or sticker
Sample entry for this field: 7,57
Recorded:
7,01
